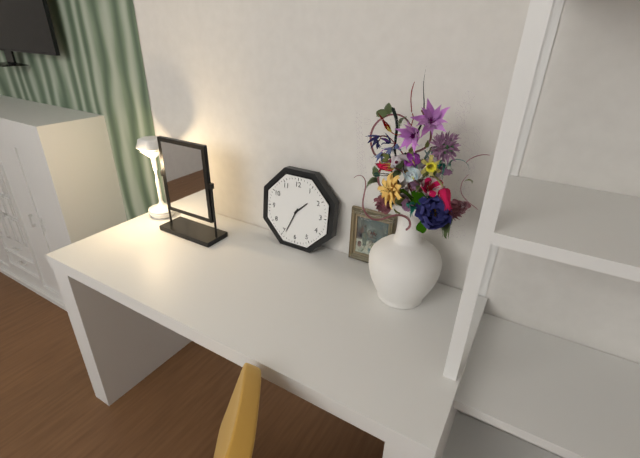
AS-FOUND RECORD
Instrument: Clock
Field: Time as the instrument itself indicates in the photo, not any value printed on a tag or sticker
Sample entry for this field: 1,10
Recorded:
1,34
